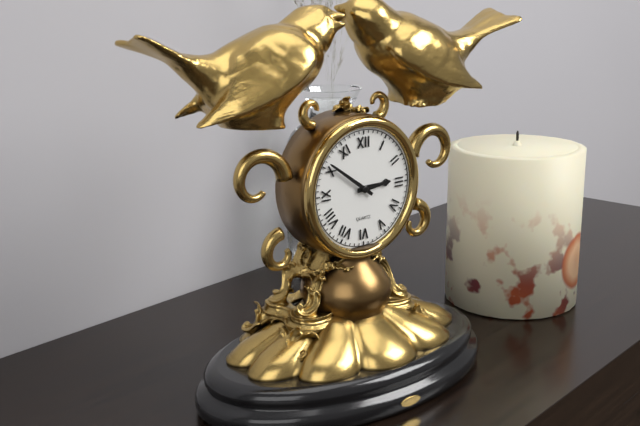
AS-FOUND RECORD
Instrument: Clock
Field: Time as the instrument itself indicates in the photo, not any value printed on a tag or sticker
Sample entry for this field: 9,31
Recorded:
2,51
